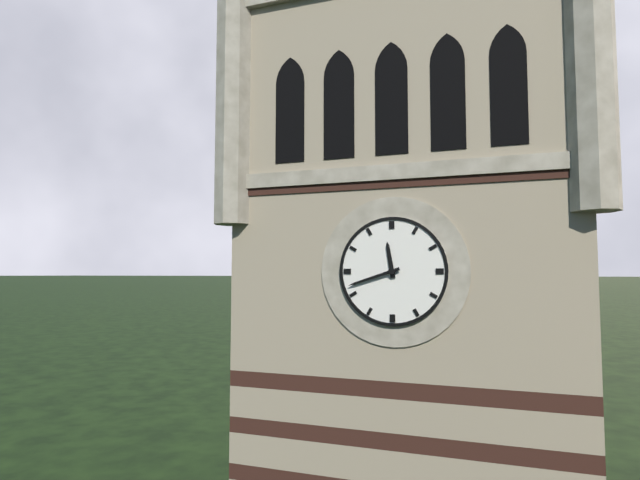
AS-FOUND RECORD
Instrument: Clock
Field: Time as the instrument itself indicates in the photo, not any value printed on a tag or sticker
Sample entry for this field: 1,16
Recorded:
11,42
